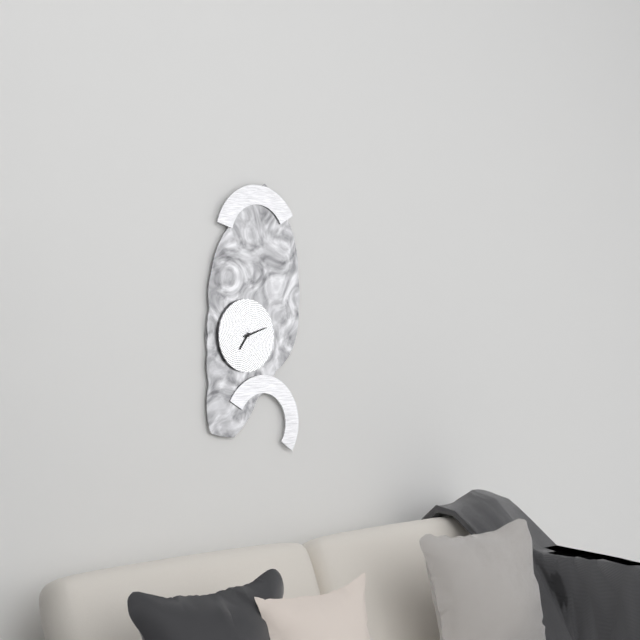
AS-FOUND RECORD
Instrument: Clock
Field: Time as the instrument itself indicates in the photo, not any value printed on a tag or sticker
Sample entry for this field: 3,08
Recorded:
7,12
